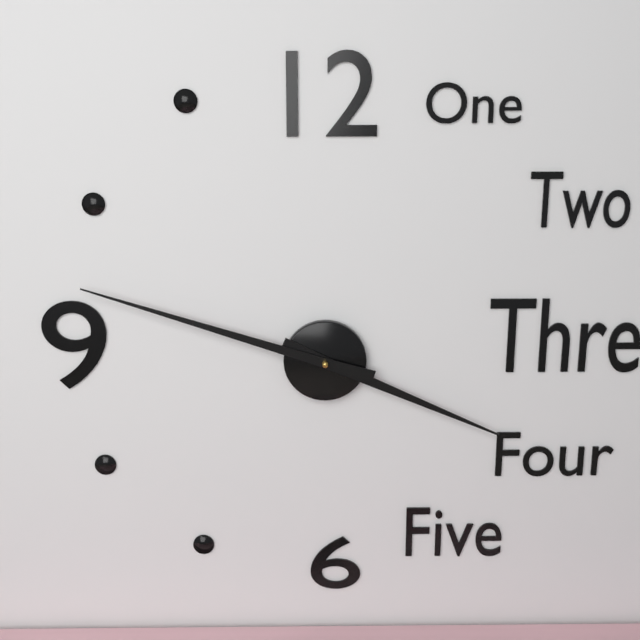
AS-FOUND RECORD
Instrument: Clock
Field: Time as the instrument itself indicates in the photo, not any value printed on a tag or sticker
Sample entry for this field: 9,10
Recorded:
3,48
